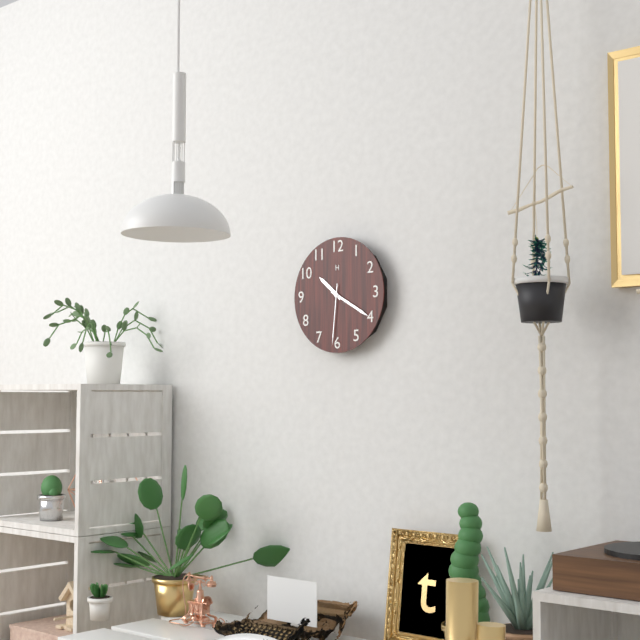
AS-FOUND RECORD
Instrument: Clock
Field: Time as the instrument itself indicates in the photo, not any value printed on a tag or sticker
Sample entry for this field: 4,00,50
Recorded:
10,20,31
